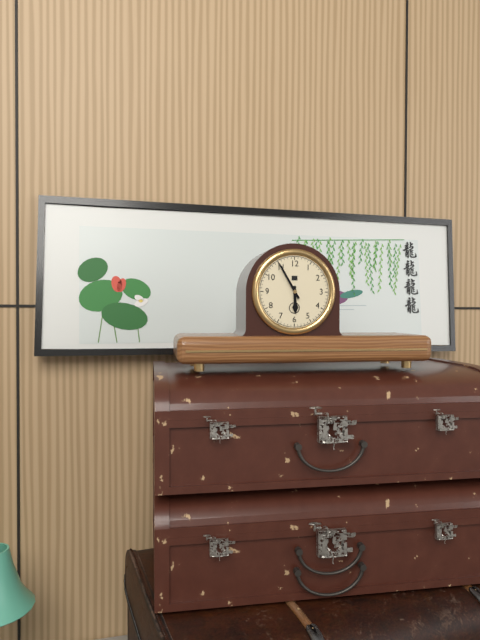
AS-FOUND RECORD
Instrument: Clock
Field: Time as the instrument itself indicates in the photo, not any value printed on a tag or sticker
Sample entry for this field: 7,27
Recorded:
5,55
